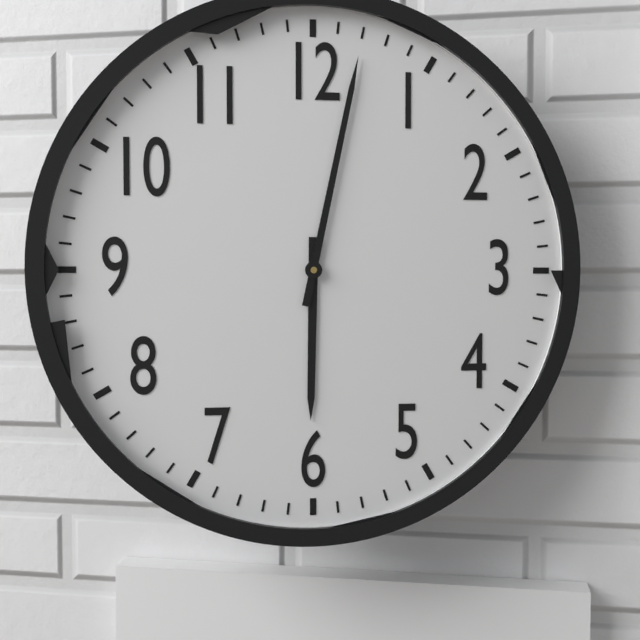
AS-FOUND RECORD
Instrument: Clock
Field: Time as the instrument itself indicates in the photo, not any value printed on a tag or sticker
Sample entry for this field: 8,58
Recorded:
6,02
